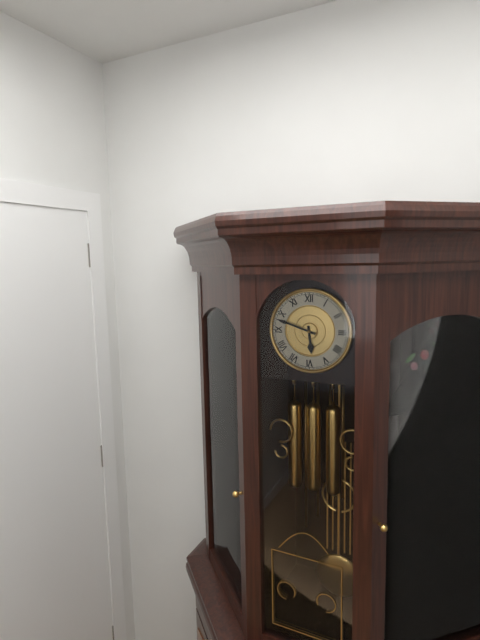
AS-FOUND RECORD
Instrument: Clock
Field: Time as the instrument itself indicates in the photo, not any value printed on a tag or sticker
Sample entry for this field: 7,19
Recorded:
5,48
